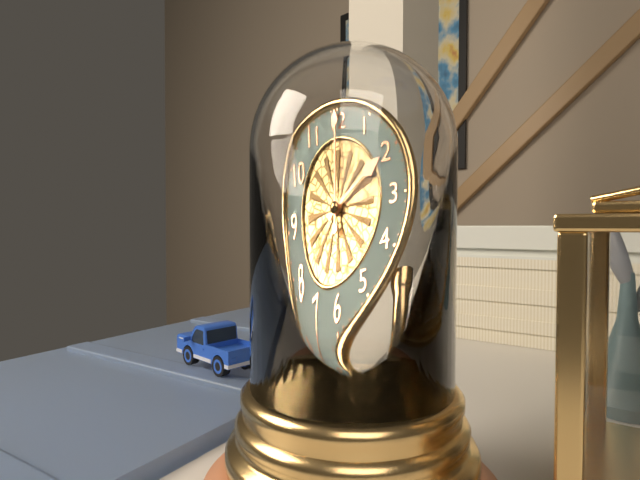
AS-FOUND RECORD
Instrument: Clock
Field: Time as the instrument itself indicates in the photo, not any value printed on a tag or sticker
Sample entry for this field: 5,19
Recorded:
2,00
